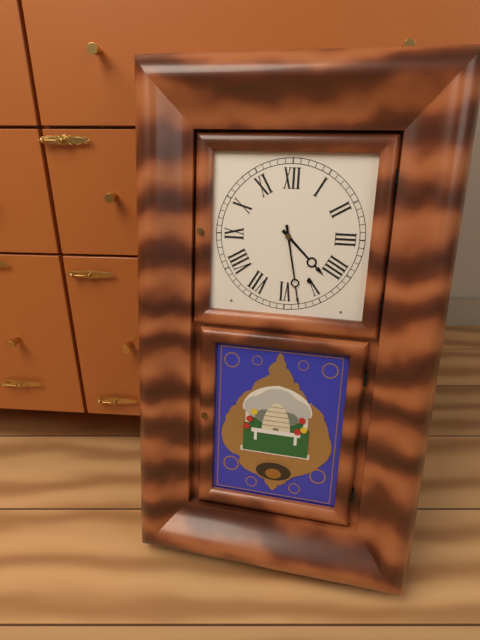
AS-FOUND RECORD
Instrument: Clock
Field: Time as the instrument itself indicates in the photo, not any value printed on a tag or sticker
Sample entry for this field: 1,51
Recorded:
4,28
